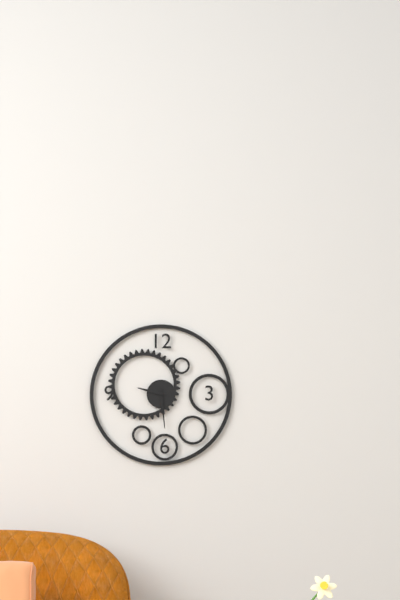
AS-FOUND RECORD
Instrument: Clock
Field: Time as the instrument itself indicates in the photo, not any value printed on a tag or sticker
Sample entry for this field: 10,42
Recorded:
9,29
